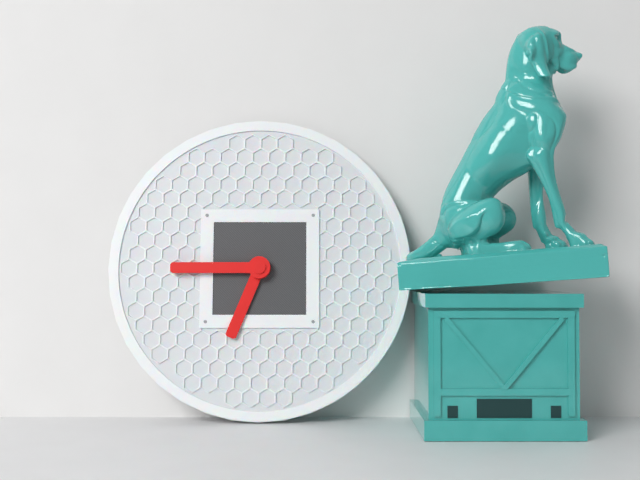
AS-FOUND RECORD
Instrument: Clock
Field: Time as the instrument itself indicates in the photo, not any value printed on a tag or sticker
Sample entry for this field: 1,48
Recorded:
6,45
